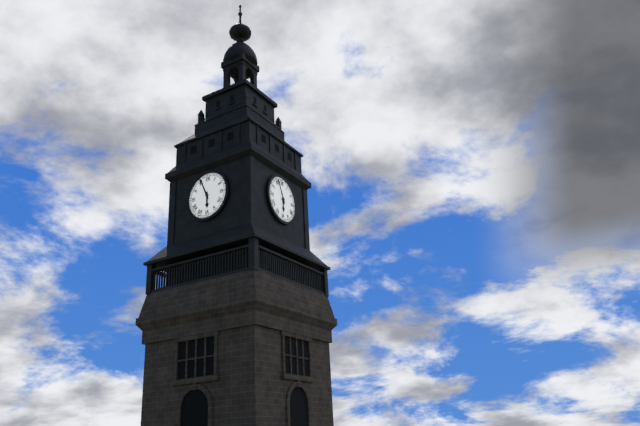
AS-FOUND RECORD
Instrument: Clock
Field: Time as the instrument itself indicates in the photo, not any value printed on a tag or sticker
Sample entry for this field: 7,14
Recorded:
5,56
